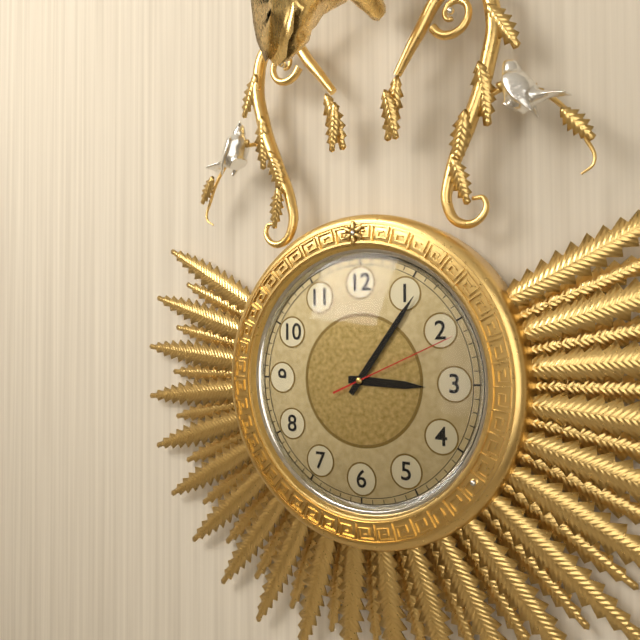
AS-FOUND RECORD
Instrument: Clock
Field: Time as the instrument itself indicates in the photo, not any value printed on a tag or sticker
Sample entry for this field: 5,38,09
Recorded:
3,06,11
